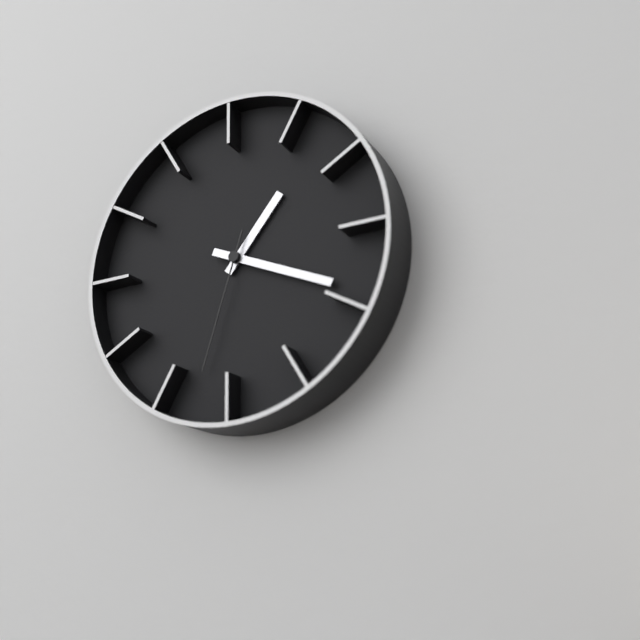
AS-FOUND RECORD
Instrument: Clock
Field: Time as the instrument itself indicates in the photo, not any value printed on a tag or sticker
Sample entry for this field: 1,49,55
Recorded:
1,19,33
